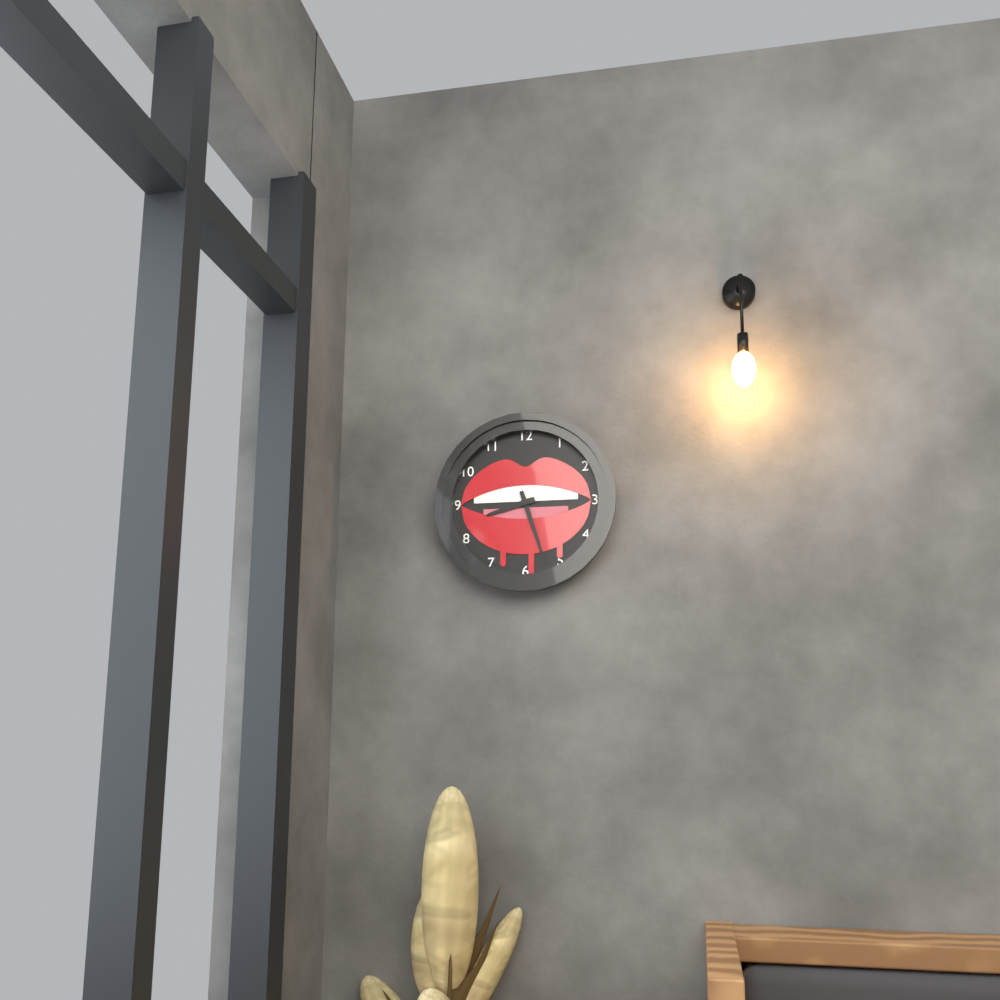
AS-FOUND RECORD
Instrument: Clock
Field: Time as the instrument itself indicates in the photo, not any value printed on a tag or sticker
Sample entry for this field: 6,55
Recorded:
8,27
